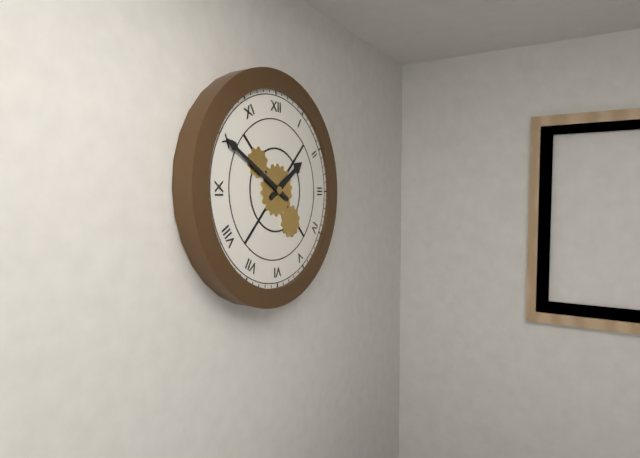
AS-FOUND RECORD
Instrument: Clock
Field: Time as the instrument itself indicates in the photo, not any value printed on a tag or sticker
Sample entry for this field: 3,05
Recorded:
1,50
